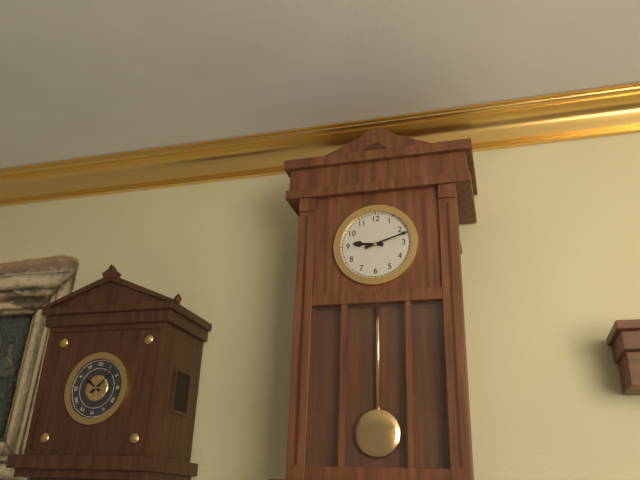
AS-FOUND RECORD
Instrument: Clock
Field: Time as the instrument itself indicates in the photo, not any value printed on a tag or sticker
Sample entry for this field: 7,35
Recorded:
9,12
